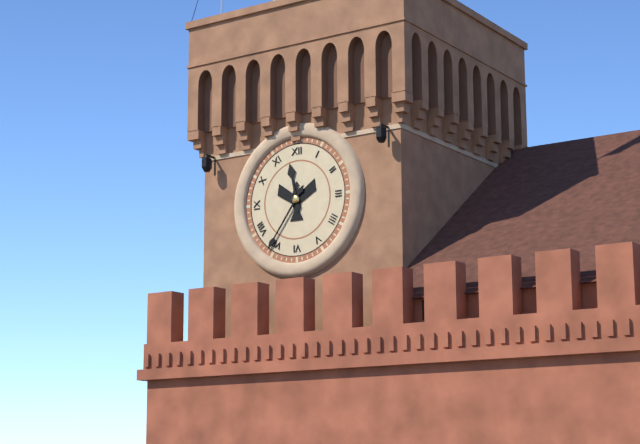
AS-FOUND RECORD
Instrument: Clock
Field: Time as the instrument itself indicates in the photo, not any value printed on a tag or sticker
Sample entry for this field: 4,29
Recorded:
11,36
